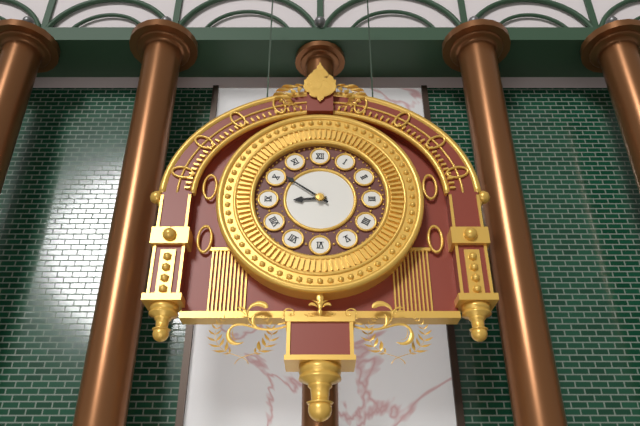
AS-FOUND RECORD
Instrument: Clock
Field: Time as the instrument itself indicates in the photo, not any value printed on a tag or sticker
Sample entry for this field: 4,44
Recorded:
8,51
